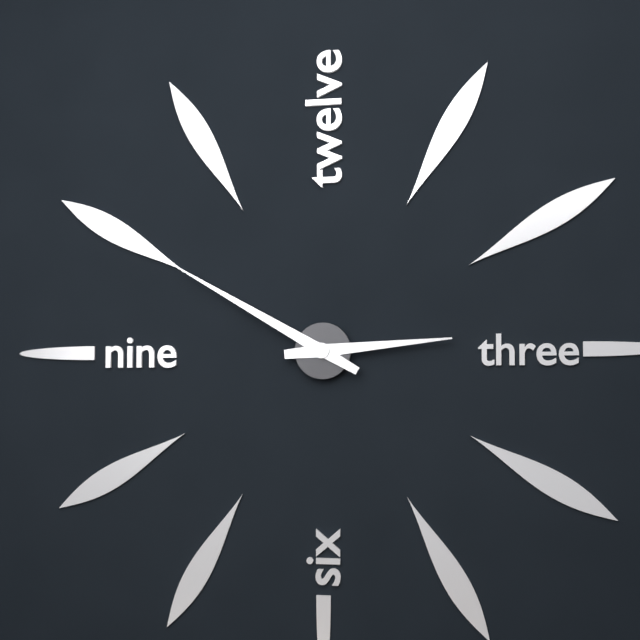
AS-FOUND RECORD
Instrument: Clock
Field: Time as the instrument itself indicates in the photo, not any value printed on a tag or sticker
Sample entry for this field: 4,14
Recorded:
2,50
